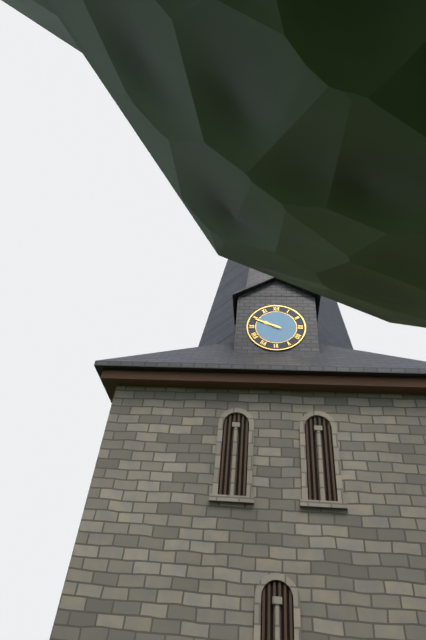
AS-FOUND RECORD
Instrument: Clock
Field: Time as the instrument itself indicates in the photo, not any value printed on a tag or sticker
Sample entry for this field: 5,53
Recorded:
9,49
